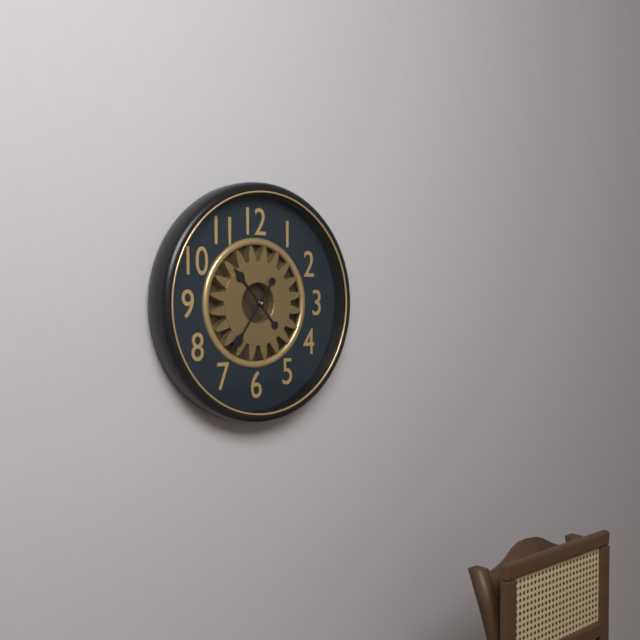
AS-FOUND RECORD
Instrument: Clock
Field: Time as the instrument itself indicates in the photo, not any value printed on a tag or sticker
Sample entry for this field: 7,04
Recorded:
10,36
